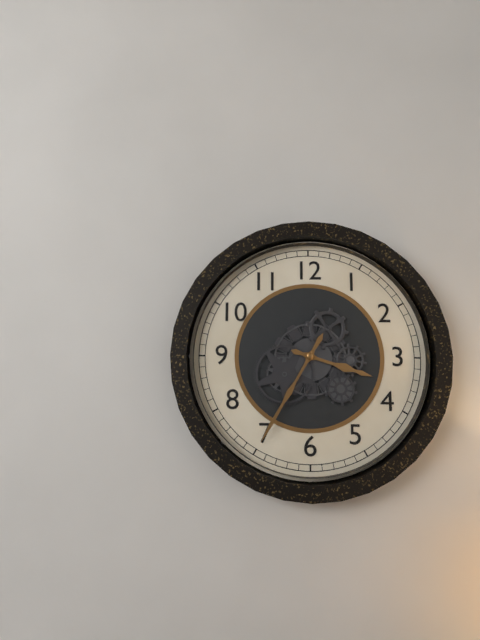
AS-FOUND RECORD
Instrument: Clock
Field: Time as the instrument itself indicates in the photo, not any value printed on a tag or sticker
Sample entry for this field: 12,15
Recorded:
3,35
